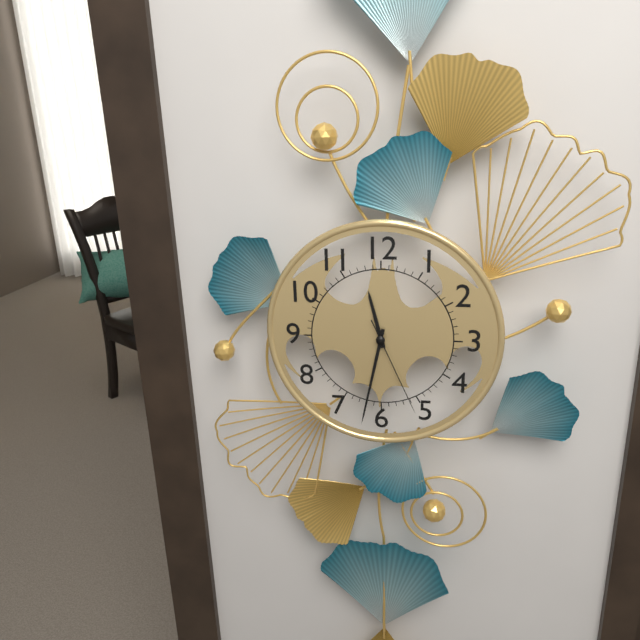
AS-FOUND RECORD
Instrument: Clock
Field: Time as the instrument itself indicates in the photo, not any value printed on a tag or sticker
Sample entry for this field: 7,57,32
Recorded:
11,32,26
